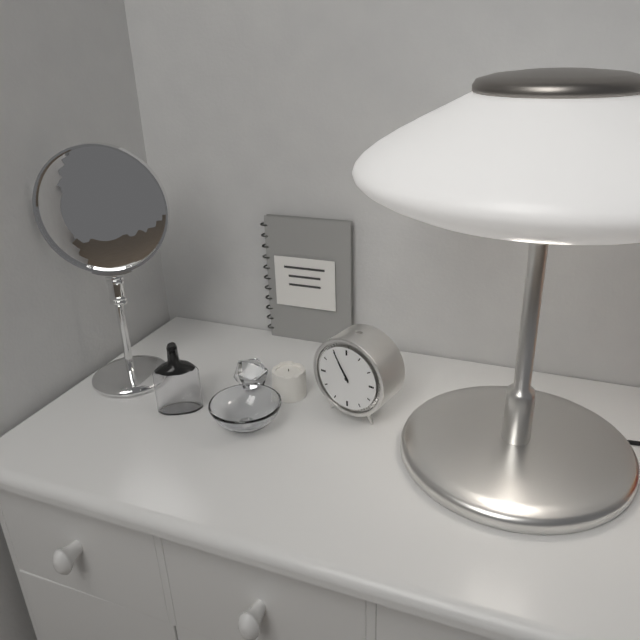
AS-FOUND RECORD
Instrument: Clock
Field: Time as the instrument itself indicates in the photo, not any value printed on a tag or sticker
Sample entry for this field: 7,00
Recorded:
10,55
